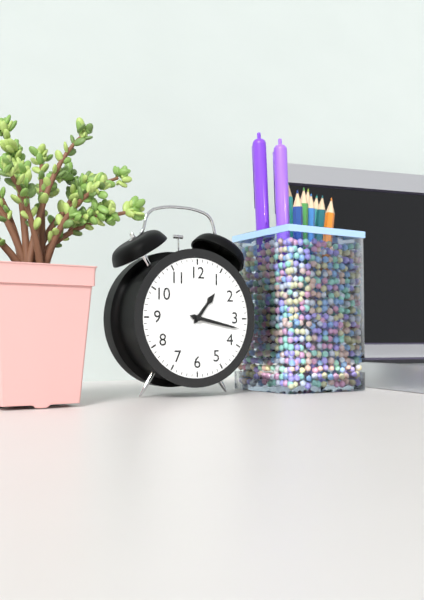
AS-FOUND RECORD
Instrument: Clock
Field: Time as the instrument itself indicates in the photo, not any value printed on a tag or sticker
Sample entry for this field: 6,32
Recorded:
1,17
